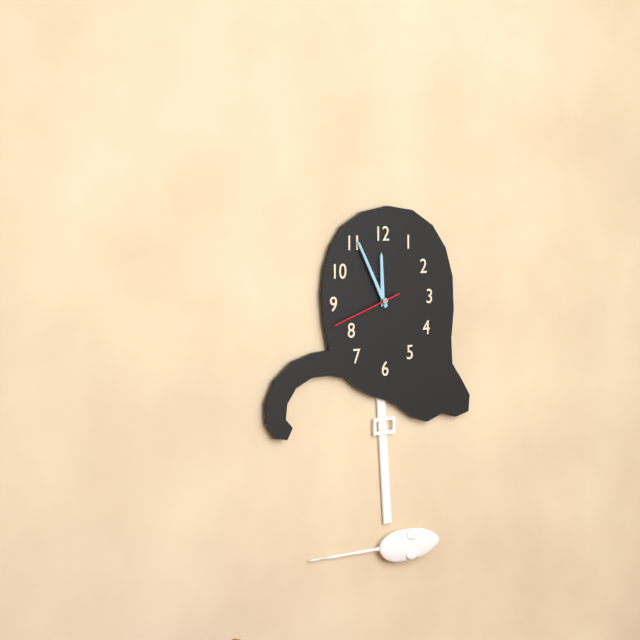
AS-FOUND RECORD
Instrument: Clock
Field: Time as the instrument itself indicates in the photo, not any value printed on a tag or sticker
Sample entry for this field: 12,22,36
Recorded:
11,55,42
